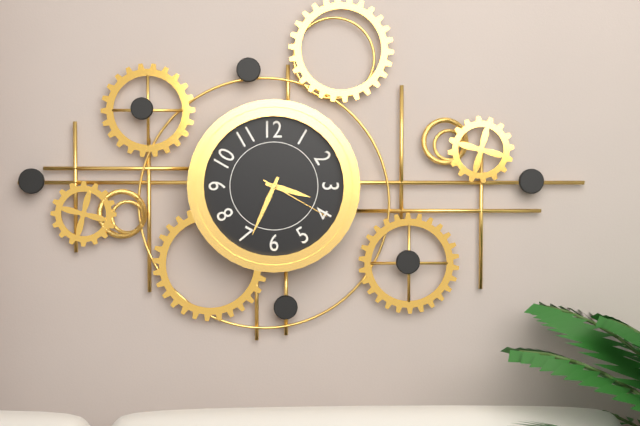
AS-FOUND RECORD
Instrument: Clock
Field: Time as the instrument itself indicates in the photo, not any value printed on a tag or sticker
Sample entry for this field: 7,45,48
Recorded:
3,34,20
